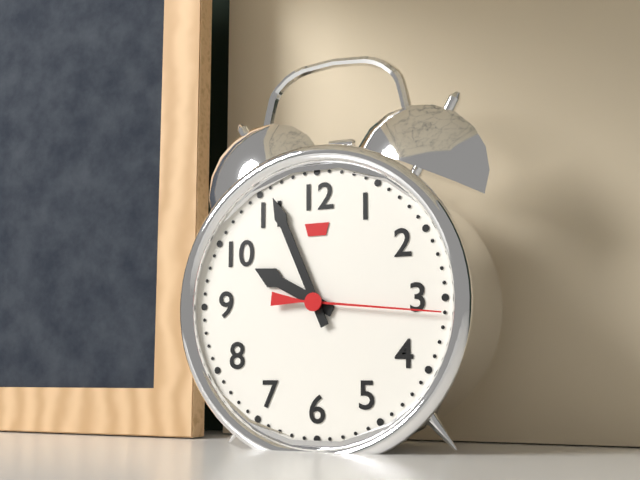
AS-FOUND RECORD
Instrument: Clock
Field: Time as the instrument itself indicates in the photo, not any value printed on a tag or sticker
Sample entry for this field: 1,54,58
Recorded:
9,56,16
